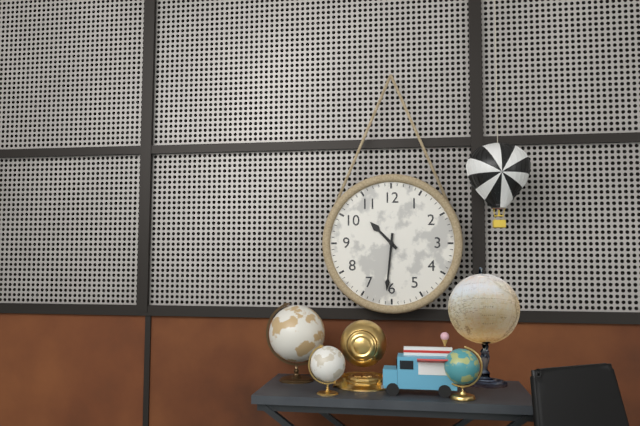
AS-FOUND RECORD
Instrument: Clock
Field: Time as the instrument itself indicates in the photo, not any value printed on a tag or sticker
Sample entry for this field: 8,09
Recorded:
10,31
